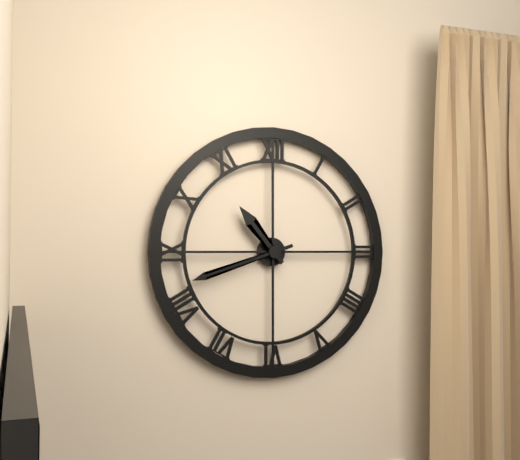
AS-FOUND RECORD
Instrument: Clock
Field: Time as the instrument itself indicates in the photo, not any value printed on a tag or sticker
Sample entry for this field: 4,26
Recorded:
10,42
